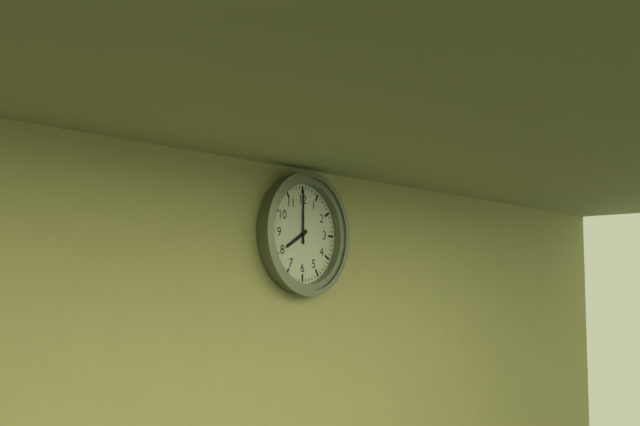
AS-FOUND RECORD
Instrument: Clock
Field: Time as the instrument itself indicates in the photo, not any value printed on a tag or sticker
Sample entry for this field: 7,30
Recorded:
8,00
